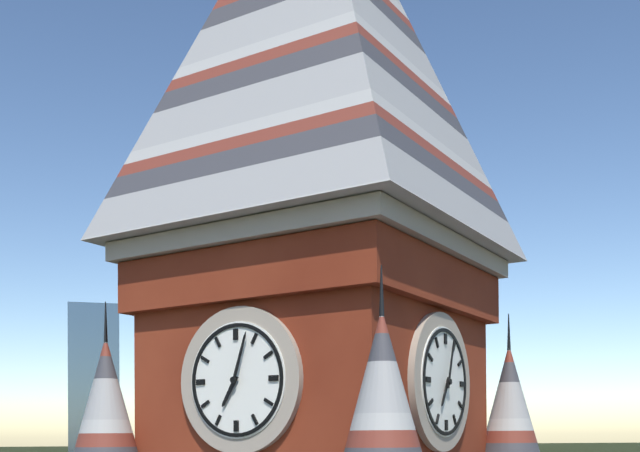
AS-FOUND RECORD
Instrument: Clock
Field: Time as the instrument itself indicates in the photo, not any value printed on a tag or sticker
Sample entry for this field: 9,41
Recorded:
7,03
